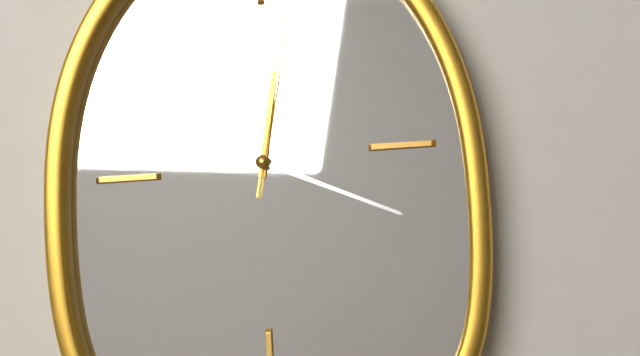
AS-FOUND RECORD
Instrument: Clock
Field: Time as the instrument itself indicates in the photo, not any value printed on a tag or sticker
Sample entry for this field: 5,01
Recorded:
12,19
